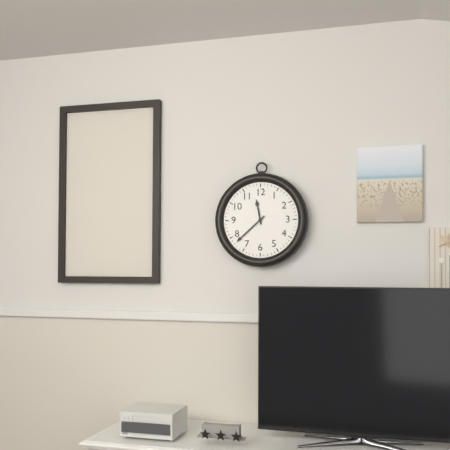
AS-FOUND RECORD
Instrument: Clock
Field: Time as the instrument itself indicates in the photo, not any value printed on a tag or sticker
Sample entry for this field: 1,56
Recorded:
11,38
